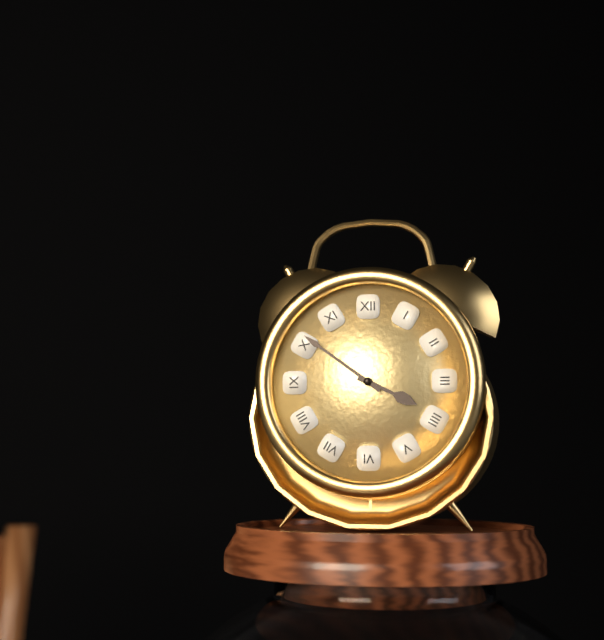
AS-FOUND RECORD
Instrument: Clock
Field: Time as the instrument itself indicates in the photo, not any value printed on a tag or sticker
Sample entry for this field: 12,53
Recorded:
3,51
